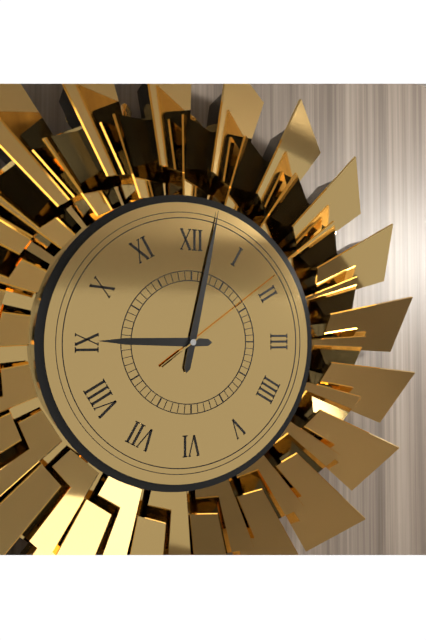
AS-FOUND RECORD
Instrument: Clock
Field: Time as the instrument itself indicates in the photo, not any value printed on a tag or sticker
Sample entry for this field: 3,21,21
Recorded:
9,02,09
